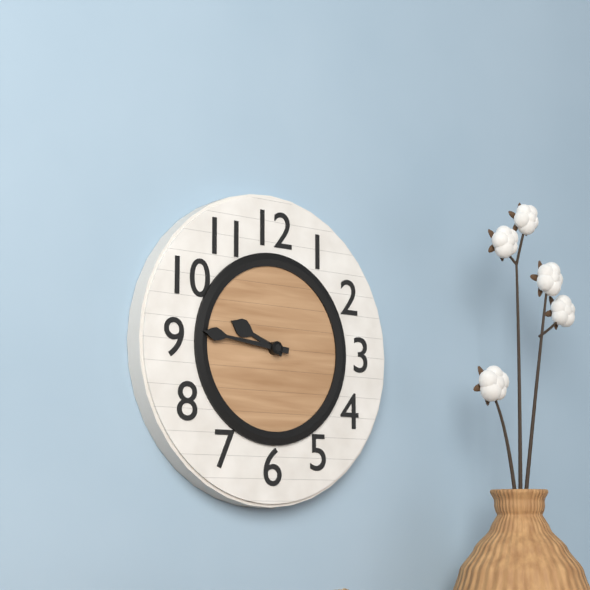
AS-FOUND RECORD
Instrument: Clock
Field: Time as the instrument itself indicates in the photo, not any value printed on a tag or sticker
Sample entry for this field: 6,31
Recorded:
9,46
